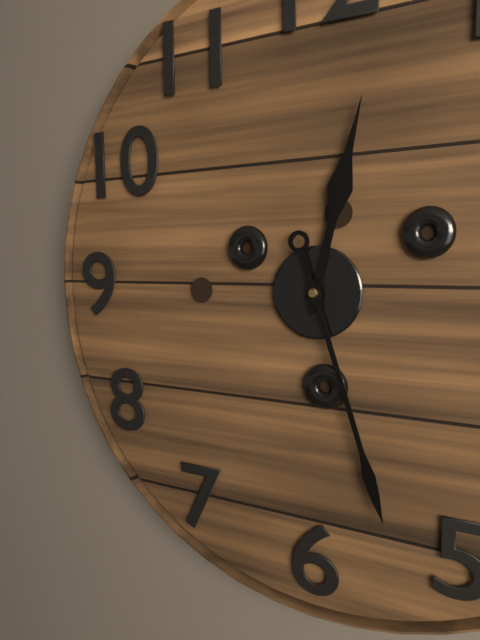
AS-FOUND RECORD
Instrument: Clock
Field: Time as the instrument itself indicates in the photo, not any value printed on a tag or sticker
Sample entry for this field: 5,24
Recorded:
12,27
